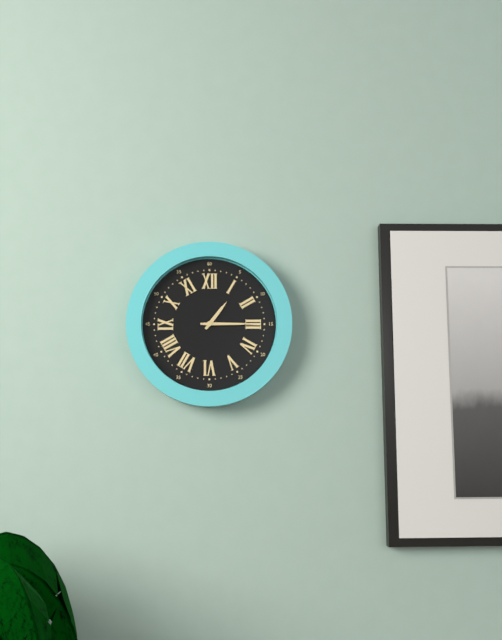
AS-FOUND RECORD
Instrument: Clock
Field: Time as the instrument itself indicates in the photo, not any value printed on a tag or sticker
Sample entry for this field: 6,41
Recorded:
1,15
